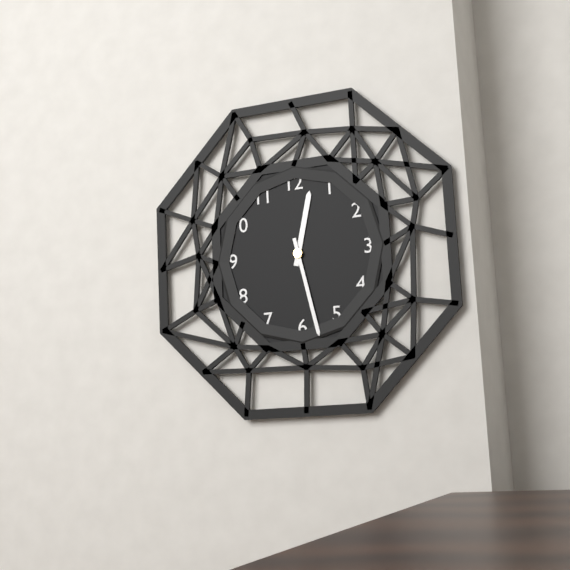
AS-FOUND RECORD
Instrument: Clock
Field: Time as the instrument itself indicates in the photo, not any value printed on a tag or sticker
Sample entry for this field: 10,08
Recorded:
12,28
